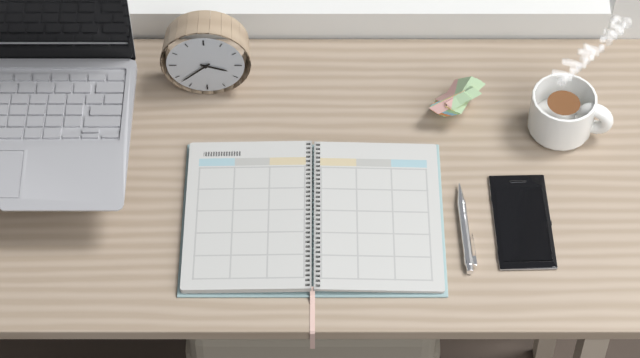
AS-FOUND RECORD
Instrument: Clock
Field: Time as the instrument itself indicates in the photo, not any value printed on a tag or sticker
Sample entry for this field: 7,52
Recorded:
3,38
